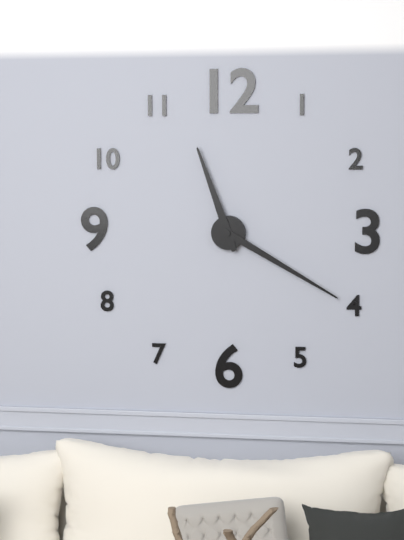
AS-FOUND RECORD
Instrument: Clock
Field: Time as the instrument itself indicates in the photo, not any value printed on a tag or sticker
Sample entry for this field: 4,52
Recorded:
11,20
